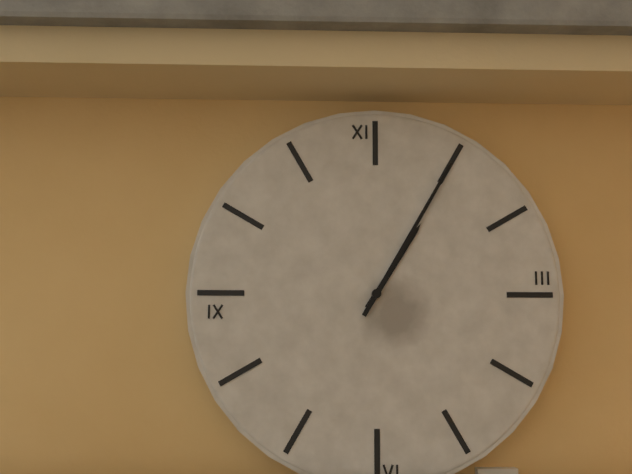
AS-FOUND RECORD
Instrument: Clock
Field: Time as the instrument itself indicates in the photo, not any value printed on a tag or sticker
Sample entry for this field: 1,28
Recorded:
1,05
